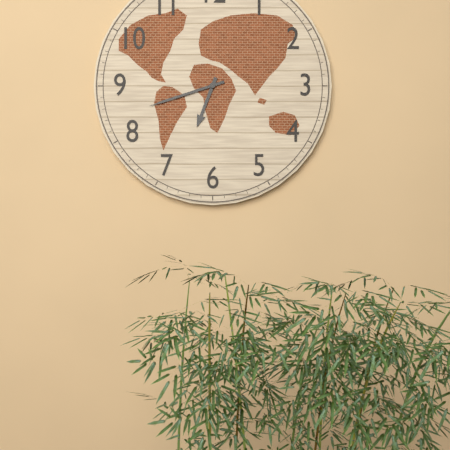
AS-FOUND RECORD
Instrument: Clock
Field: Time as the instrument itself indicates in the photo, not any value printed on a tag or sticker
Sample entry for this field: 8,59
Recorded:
6,42
